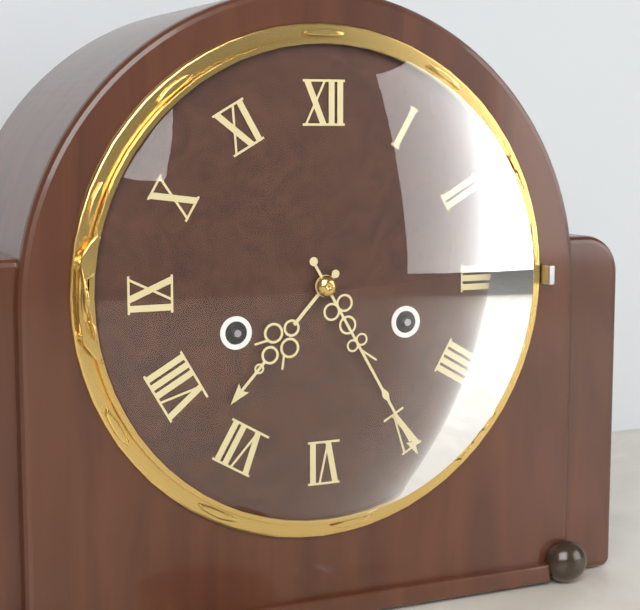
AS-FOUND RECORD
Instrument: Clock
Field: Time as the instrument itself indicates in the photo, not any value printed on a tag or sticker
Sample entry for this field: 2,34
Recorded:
7,25
